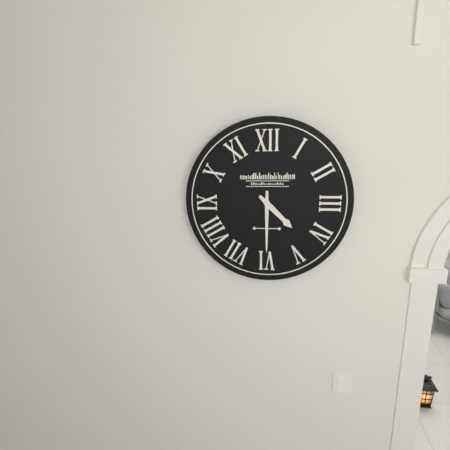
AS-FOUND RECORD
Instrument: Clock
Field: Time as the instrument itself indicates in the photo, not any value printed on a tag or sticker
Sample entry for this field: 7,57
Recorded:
4,30
